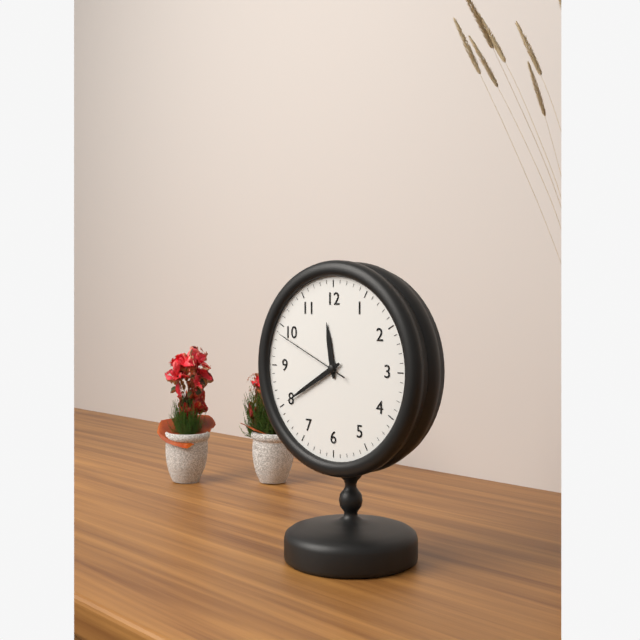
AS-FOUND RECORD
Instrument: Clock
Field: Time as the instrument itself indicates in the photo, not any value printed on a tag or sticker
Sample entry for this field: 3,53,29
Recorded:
11,40,49
